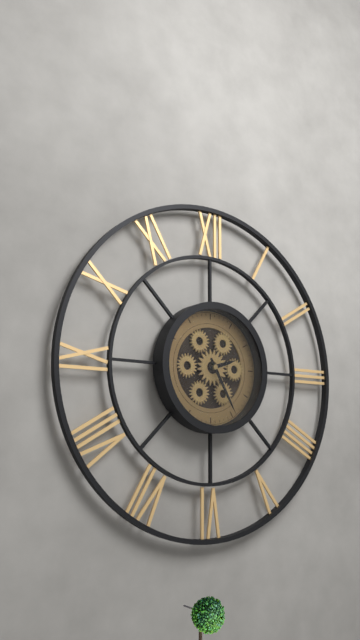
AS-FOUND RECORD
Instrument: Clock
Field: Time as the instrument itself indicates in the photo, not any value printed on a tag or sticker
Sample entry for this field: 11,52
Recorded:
2,25
